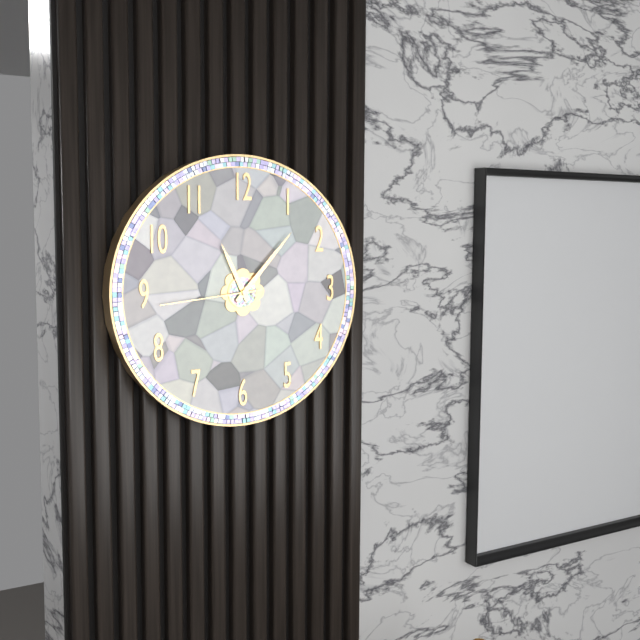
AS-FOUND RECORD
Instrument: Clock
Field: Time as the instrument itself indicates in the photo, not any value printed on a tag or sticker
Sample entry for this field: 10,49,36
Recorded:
11,07,44
